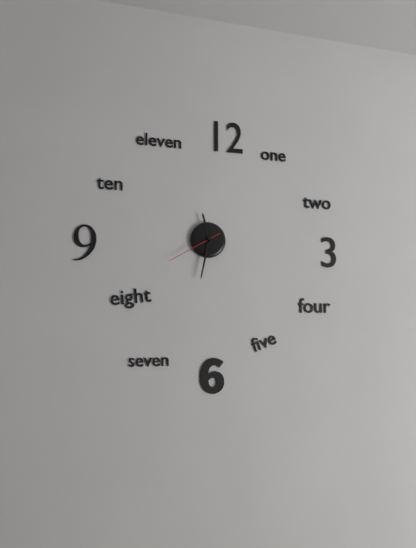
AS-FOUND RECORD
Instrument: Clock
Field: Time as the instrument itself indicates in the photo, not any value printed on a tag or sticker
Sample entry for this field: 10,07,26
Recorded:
11,32,40
